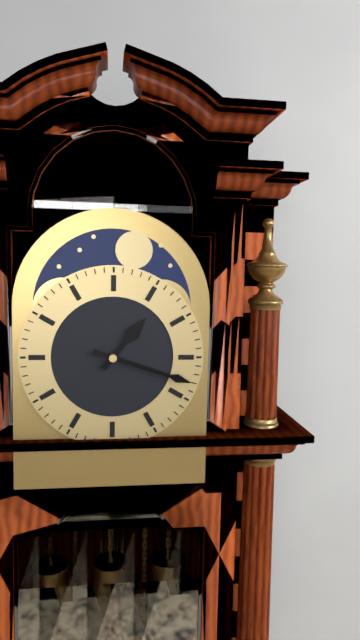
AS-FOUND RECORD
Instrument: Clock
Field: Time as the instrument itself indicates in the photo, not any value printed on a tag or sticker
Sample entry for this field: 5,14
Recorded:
1,18
